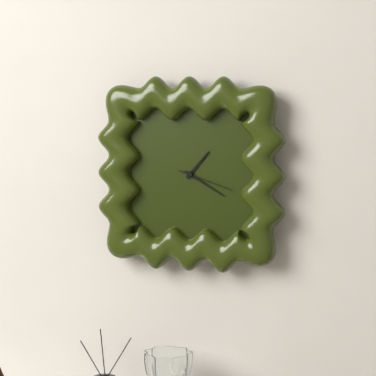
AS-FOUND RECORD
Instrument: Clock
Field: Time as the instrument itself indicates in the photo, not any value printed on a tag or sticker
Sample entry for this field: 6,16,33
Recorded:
1,20,18
